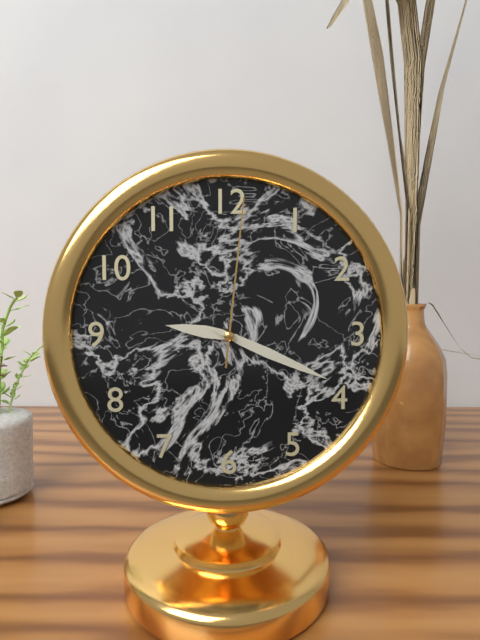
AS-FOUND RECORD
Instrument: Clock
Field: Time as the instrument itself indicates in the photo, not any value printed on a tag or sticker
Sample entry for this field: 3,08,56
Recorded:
9,19,01
